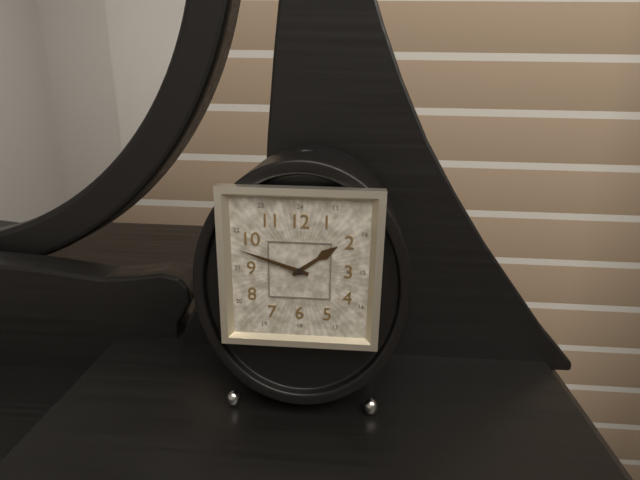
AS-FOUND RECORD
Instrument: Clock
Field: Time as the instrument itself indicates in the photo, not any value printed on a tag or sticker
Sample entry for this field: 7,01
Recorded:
1,48
